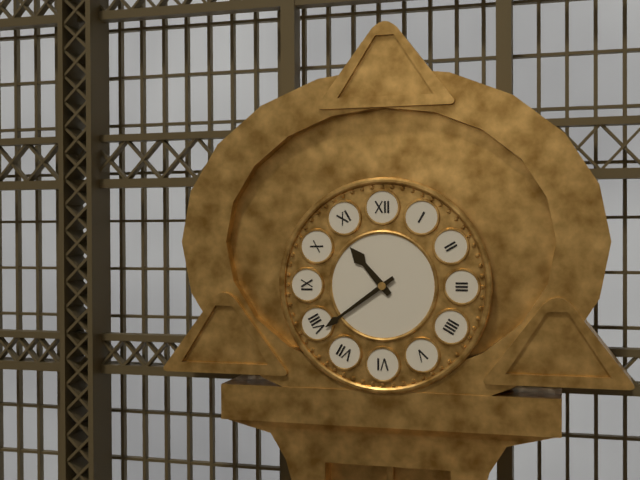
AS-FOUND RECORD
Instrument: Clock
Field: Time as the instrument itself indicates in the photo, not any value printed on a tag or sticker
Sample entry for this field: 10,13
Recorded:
10,39
